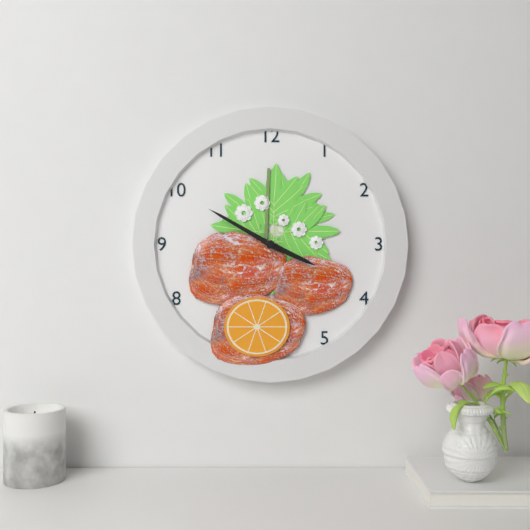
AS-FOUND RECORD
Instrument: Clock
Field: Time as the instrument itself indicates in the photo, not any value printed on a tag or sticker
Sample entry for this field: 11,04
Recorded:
3,50
